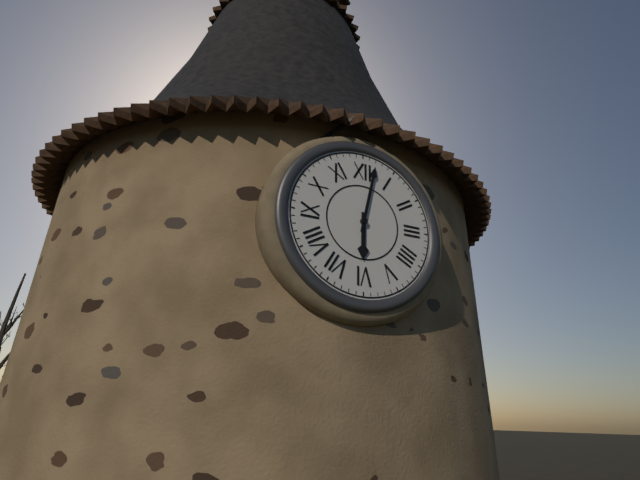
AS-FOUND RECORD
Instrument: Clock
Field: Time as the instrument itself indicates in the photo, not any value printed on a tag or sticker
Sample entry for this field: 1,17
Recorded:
6,02
